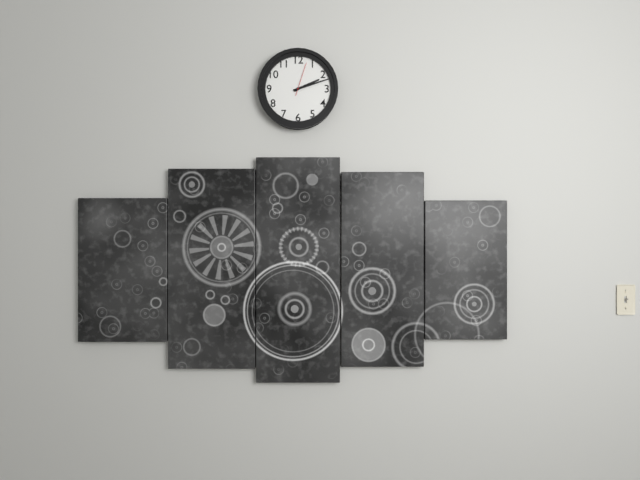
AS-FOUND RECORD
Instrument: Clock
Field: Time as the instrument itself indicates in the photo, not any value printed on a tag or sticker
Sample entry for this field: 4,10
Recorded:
2,12
